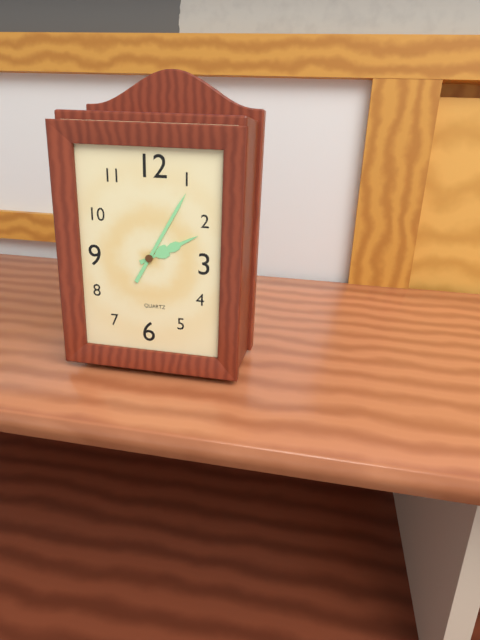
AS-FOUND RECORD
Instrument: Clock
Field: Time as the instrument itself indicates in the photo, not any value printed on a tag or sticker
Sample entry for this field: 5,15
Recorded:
2,05
